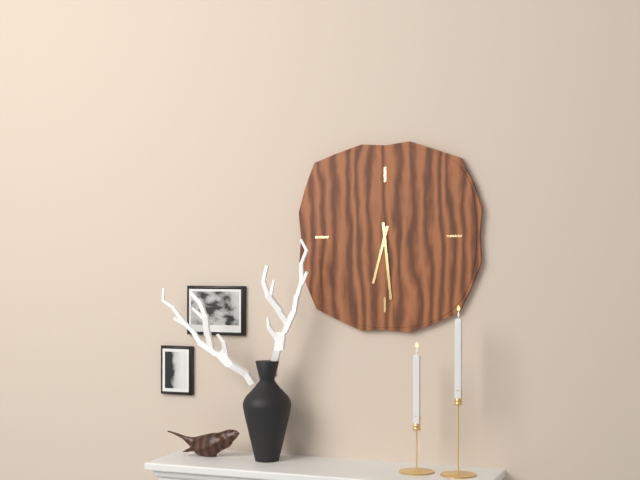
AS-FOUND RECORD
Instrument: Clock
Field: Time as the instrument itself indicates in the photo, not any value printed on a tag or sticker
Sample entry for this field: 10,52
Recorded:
6,29
